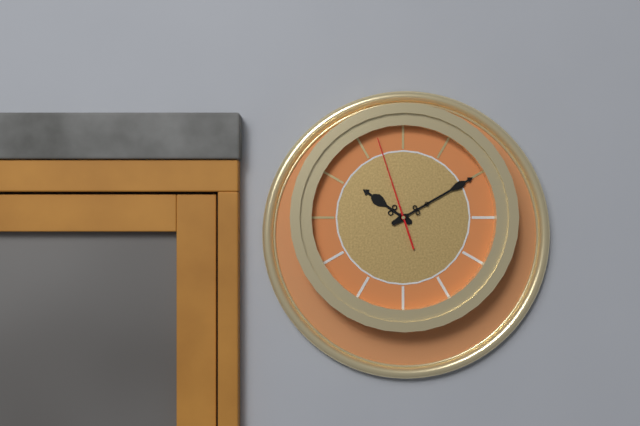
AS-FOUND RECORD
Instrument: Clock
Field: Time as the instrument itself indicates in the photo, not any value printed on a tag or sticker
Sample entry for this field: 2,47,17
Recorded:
10,10,57
